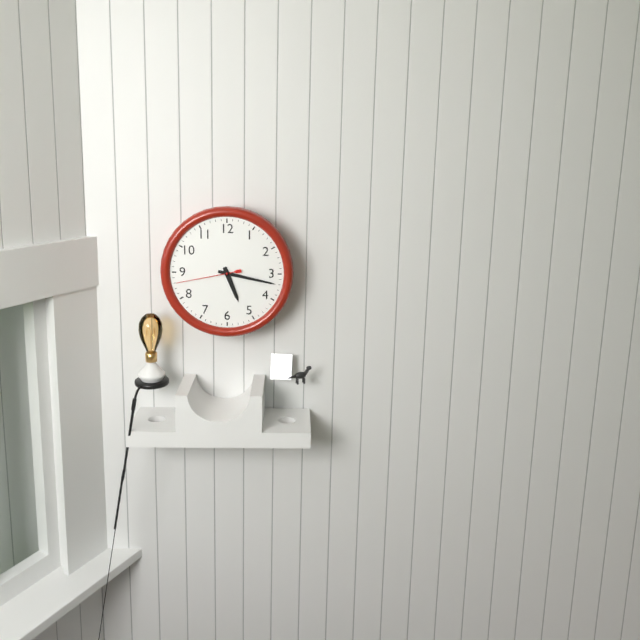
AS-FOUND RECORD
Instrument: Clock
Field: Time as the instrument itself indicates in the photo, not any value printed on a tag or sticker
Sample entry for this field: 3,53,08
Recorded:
5,17,43
